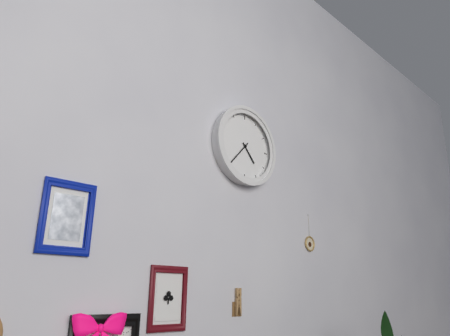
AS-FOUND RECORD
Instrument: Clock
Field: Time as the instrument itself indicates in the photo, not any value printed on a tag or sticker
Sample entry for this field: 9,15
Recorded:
4,37
